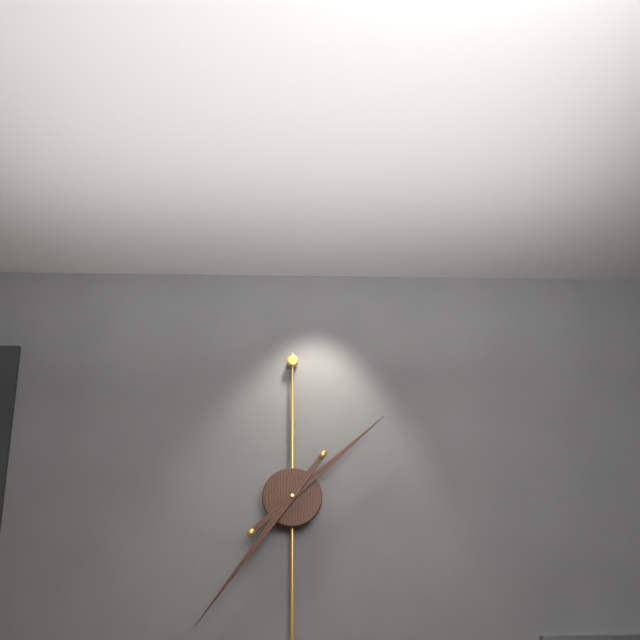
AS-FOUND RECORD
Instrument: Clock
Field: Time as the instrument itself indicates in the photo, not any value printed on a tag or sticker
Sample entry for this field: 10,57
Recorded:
1,36
